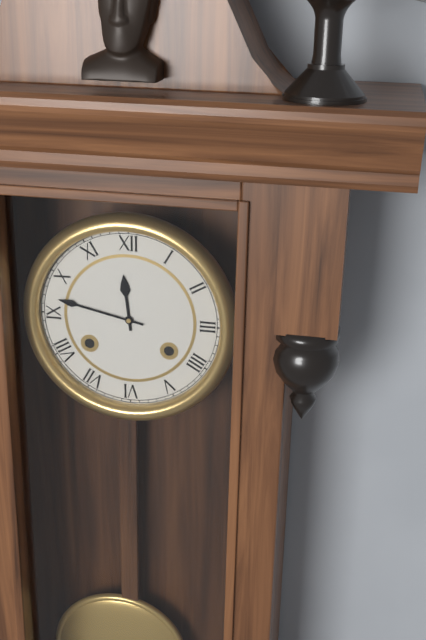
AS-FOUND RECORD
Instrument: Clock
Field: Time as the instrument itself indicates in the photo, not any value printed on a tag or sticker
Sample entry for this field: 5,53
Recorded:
11,47
